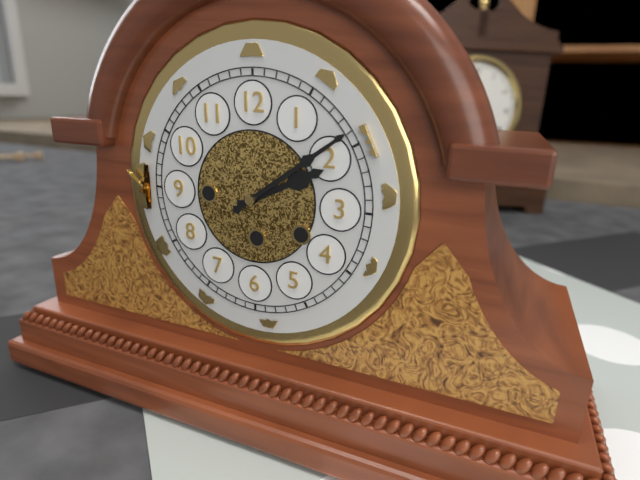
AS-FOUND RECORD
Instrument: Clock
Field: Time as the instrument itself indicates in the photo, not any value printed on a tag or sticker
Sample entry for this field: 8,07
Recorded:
2,09
